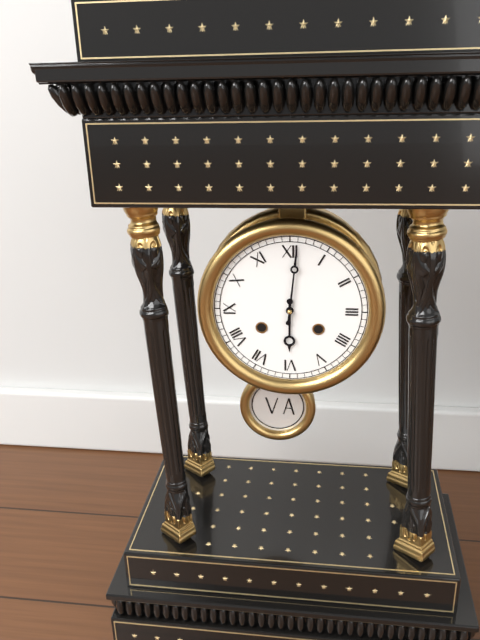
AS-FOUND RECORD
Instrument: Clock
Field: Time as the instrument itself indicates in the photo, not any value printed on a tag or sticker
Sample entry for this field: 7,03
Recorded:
6,01
